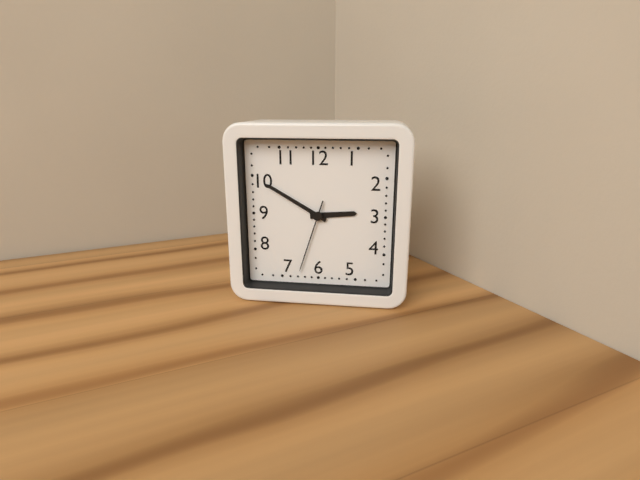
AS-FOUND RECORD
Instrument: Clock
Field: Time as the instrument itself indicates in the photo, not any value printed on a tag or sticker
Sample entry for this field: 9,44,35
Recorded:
2,50,33
